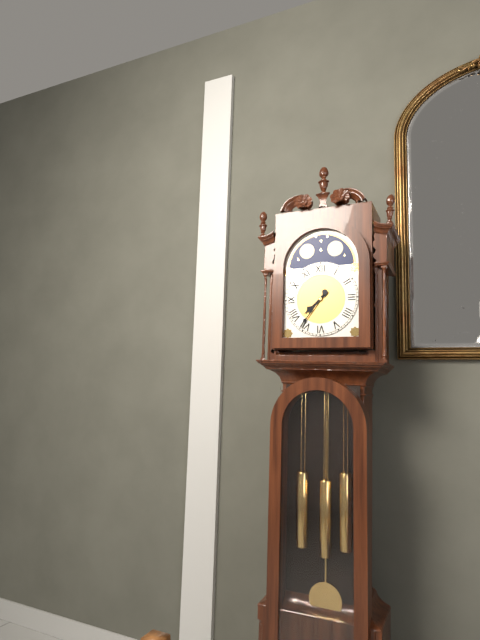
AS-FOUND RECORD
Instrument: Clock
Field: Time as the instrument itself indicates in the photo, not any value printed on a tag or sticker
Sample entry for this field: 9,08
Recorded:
7,36
